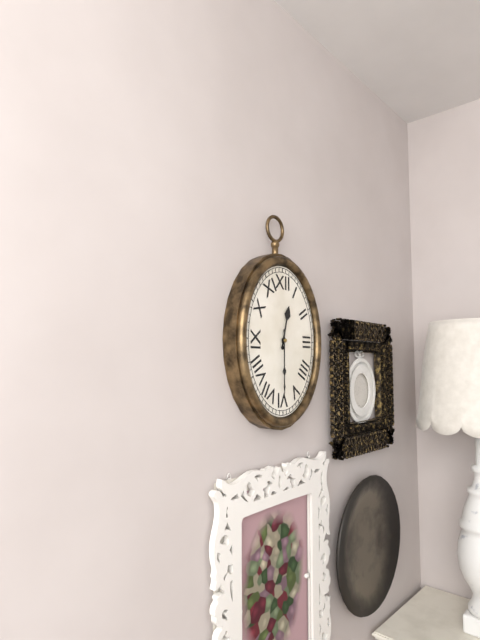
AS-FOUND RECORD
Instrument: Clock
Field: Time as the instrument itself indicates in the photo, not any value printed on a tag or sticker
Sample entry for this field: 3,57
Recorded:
12,30
